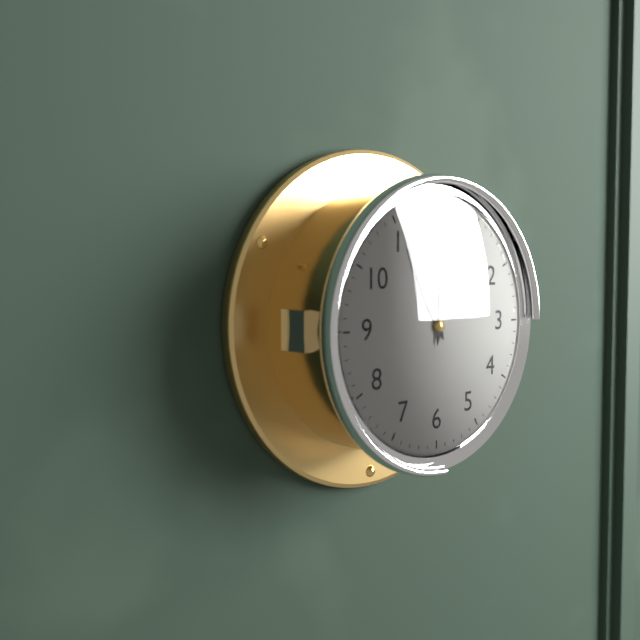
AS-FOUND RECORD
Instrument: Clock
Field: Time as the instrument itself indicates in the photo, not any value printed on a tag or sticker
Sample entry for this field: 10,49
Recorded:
11,01
